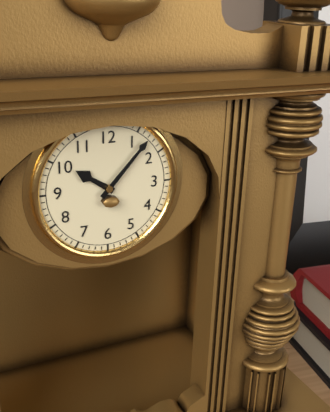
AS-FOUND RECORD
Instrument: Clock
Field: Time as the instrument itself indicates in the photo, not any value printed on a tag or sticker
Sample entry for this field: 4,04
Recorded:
10,07
